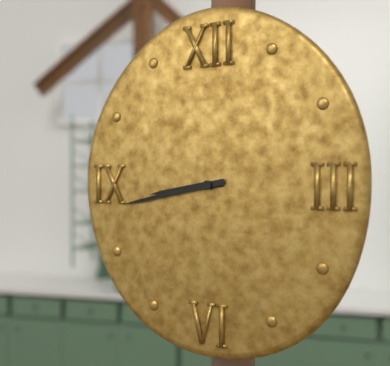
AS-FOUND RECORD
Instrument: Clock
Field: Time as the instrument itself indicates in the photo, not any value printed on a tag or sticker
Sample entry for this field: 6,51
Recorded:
8,43
